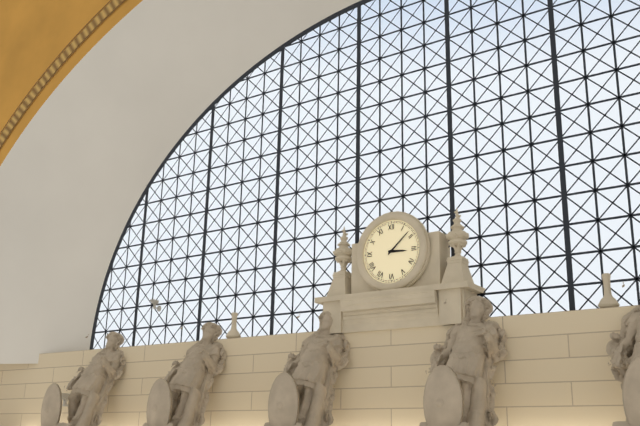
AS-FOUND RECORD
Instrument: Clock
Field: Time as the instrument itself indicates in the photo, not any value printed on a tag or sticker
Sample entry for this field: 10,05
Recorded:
3,08
